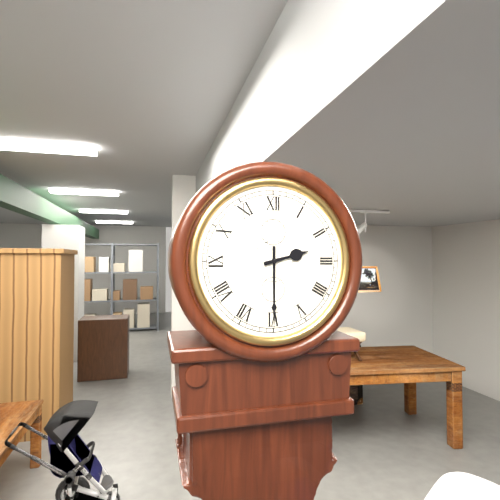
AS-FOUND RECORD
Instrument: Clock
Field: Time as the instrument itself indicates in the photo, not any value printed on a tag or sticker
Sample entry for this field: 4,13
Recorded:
2,30
